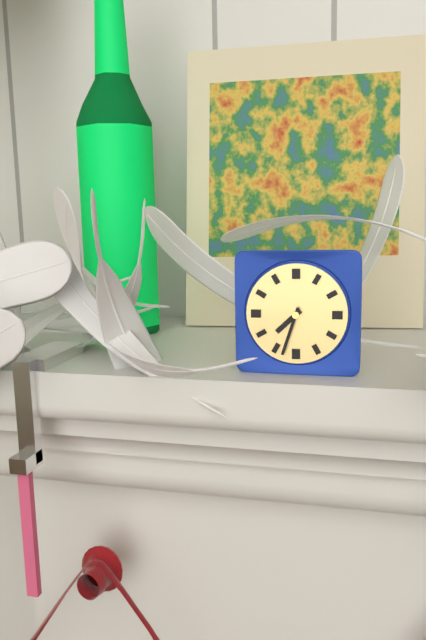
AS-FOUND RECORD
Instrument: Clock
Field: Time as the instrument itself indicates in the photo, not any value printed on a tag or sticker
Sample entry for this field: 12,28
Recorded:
7,33
